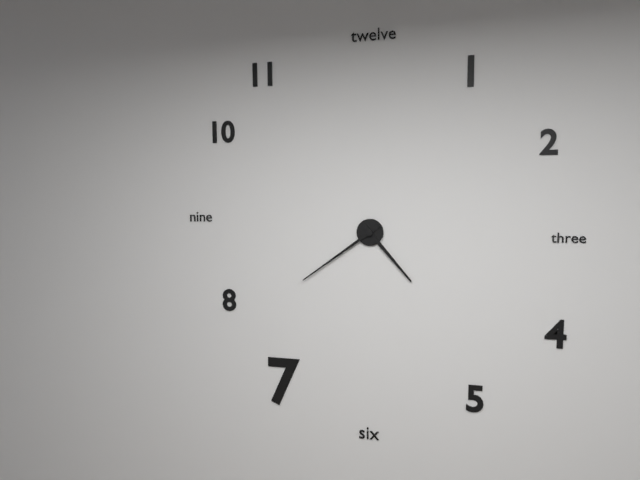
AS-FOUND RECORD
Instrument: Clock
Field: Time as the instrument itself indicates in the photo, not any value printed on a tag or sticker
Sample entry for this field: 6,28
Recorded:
4,39
